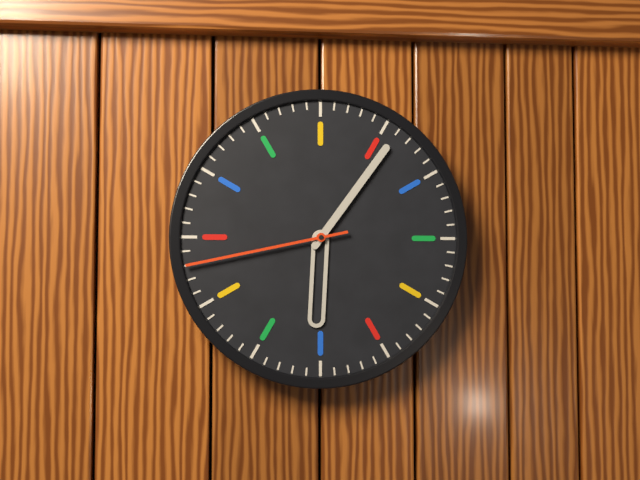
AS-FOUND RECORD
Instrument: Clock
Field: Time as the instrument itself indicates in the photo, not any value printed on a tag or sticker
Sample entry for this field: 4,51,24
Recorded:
6,06,43
